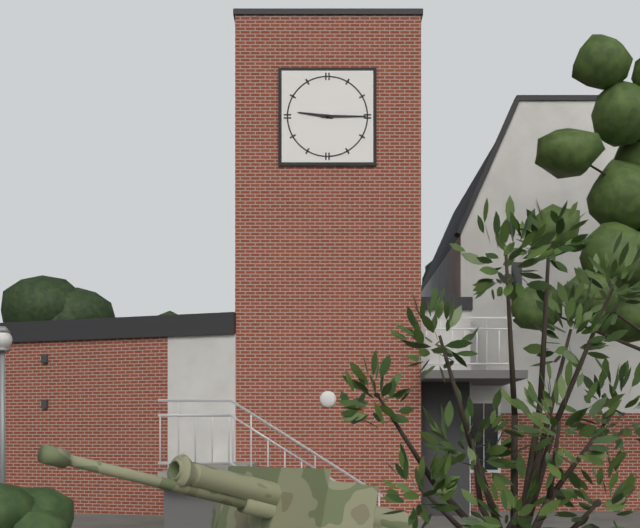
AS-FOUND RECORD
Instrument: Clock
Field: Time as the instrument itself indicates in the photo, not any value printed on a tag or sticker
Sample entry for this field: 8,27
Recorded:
9,15
